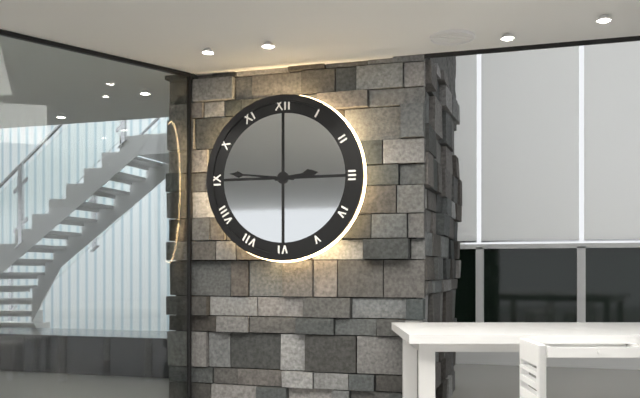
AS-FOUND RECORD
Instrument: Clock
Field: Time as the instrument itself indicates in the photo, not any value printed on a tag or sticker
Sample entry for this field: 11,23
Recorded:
2,46
